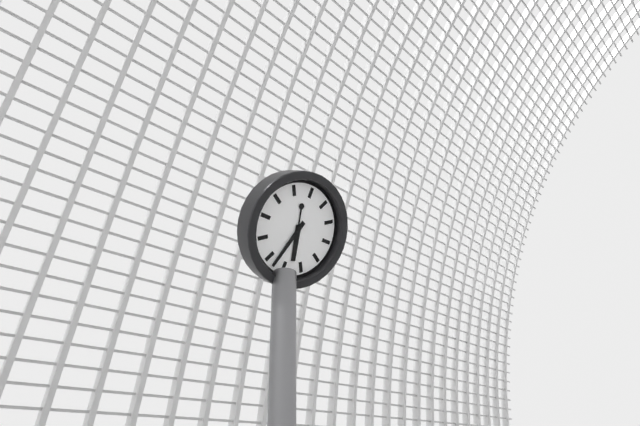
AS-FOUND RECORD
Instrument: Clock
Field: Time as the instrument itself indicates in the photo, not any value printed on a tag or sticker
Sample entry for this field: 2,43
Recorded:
5,33
